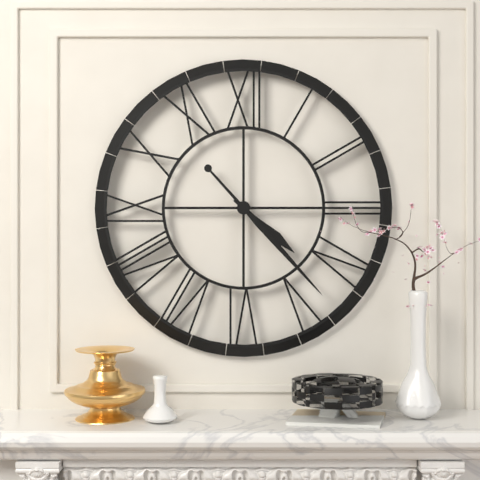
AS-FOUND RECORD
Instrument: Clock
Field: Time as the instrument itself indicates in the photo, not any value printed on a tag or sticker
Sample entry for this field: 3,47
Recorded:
4,23
